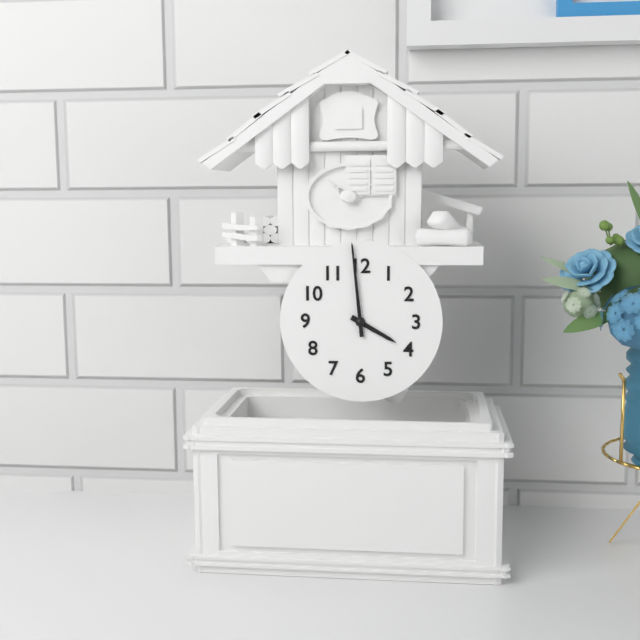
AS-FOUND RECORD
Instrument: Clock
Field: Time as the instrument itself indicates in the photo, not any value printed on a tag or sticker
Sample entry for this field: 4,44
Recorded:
3,59
